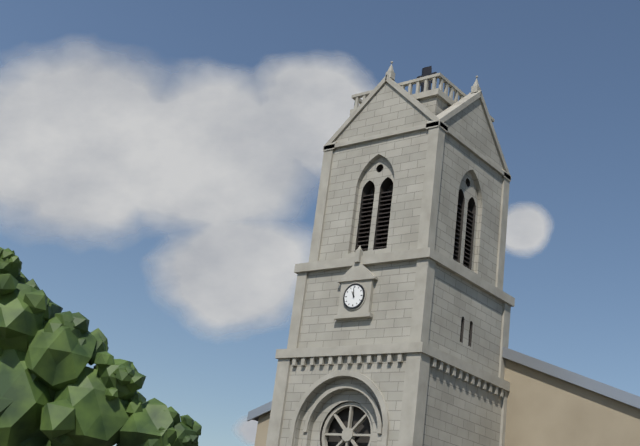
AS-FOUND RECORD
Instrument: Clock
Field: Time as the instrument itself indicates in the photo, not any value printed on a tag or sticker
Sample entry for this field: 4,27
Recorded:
10,59
